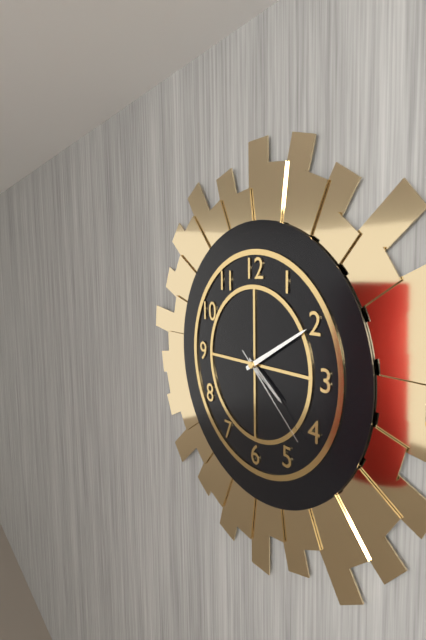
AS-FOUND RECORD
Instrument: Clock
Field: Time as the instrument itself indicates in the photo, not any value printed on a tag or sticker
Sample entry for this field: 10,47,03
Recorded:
4,10,22
